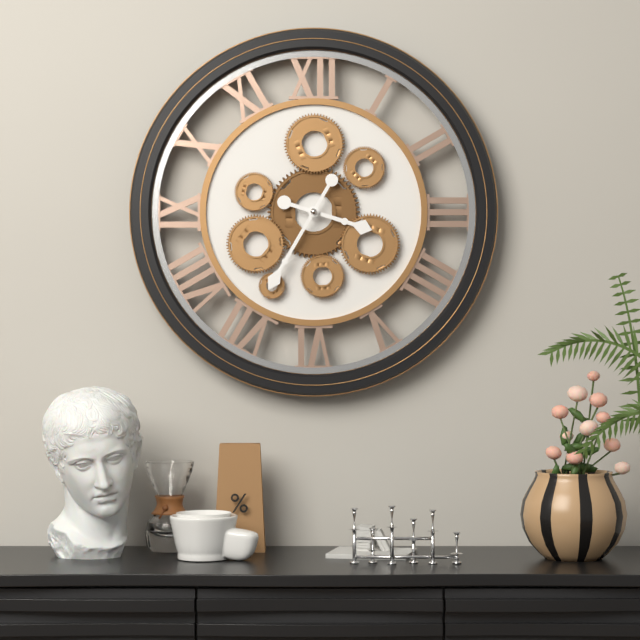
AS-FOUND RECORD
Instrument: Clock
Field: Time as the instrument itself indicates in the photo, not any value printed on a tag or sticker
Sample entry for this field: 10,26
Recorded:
3,35
